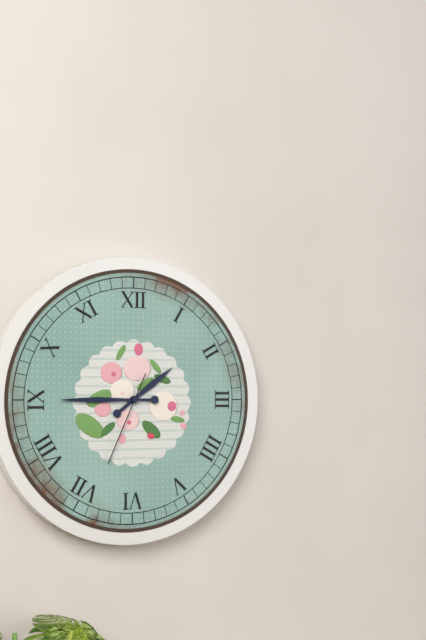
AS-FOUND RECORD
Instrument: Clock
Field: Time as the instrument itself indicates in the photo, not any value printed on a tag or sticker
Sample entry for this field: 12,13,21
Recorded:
1,45,34
